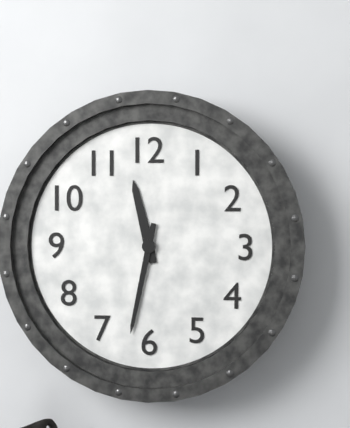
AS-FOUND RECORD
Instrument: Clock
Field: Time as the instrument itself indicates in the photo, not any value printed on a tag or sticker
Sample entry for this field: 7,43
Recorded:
11,32
